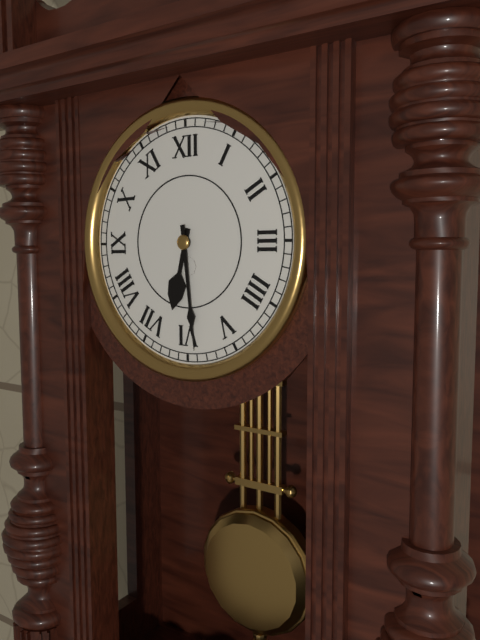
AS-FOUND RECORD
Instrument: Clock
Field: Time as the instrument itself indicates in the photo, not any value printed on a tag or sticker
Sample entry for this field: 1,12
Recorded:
6,29
